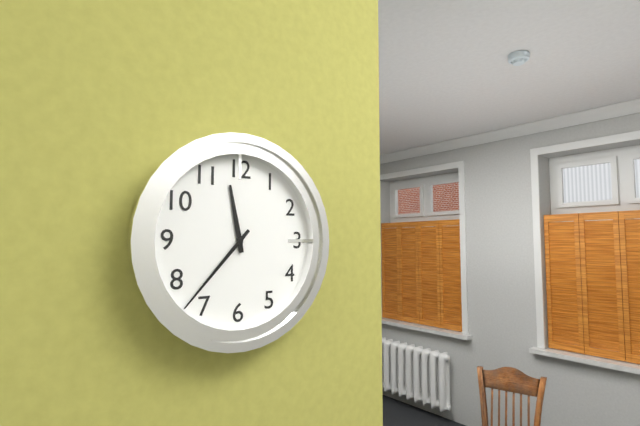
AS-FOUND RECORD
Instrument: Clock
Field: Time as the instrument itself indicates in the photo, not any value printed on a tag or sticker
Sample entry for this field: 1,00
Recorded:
11,37
